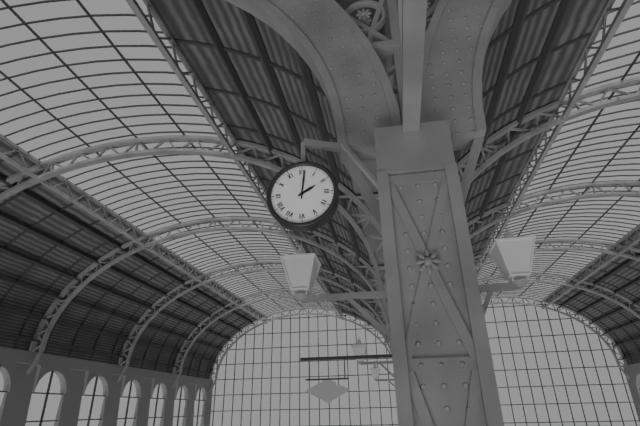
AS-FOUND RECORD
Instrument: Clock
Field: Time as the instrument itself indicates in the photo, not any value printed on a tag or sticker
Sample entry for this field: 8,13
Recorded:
2,01
